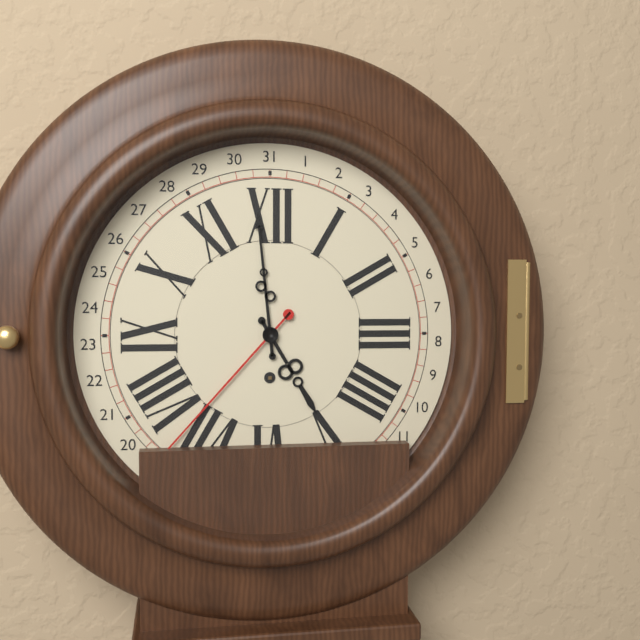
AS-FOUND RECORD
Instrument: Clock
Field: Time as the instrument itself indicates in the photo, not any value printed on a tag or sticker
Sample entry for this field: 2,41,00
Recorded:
4,59,37
